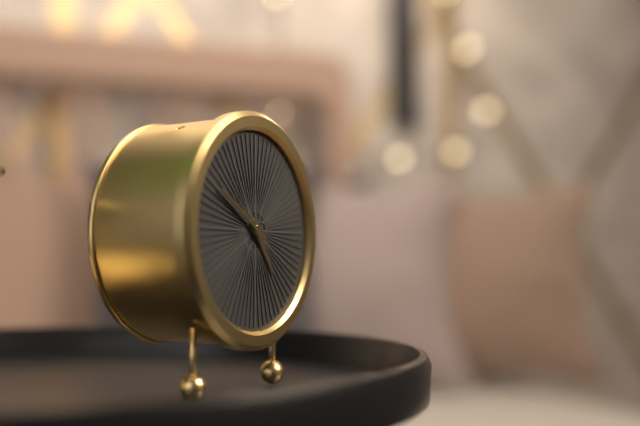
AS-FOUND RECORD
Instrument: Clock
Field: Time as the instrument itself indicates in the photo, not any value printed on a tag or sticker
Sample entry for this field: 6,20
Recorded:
4,50
